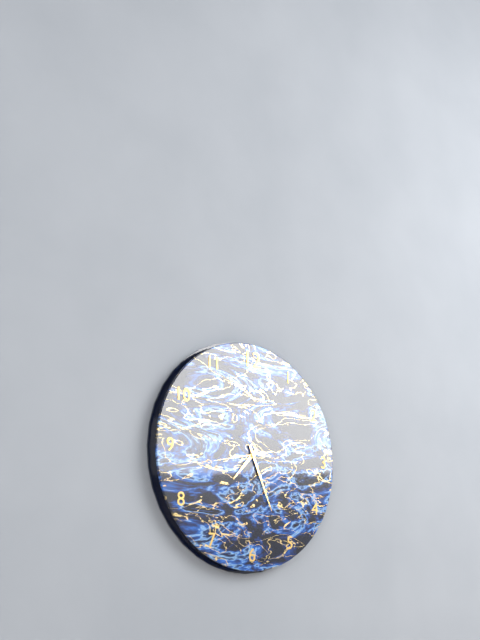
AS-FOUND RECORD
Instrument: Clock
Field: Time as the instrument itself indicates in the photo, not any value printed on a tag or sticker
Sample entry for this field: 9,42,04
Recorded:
7,26,43
